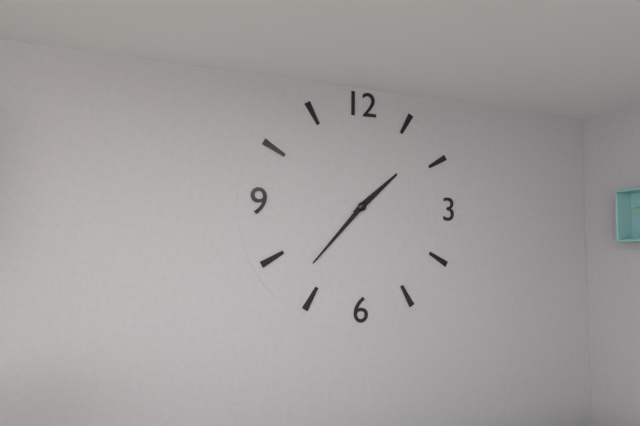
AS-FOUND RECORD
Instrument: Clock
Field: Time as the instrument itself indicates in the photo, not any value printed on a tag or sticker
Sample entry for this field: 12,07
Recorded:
1,37
